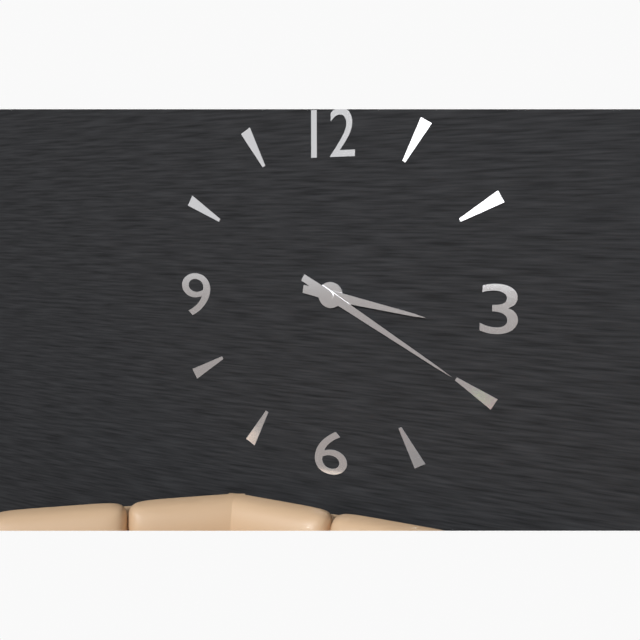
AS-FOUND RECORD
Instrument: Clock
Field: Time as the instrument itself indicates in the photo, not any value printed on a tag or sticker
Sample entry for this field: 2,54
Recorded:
3,20
